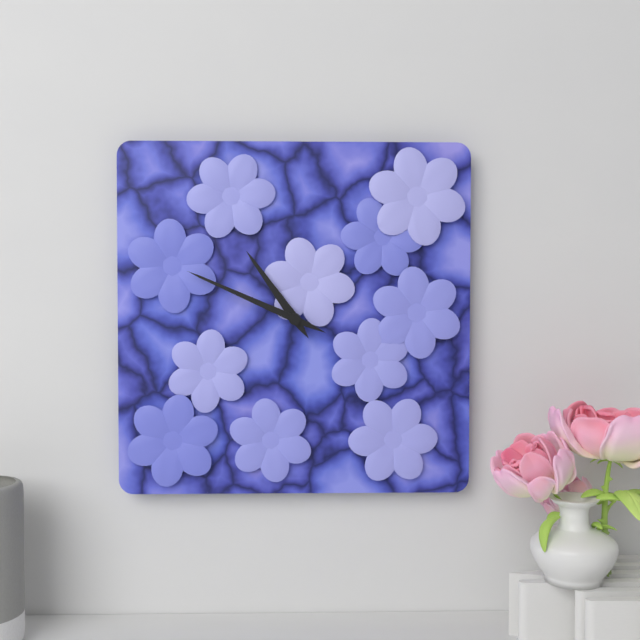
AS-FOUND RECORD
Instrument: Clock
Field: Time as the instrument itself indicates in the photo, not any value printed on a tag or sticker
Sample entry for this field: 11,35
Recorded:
10,49
